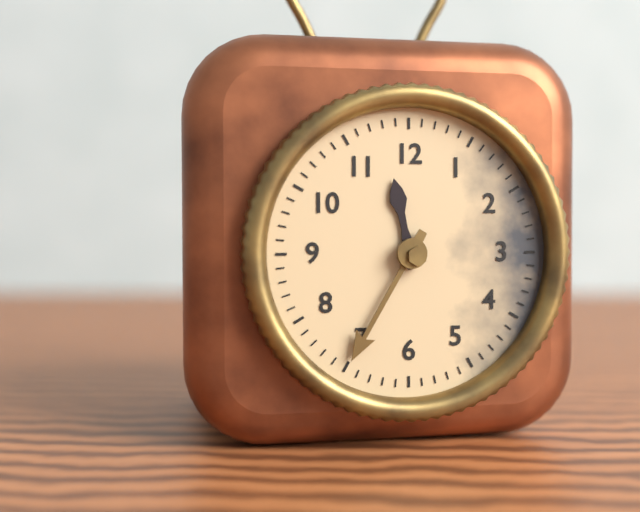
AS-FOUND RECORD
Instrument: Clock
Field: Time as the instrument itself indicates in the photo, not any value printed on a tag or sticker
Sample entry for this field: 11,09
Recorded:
11,35
